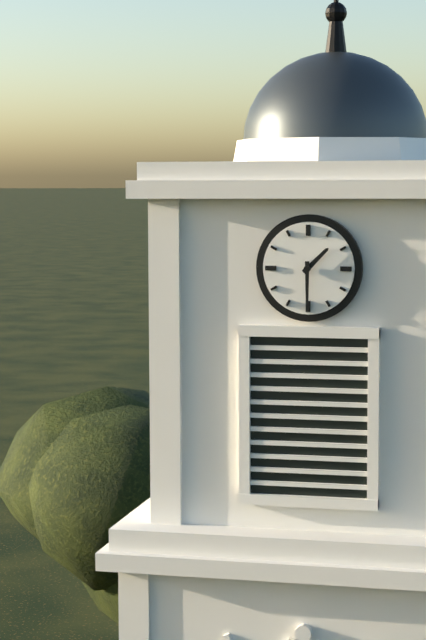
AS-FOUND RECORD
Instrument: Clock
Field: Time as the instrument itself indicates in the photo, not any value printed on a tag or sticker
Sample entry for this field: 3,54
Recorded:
1,30
